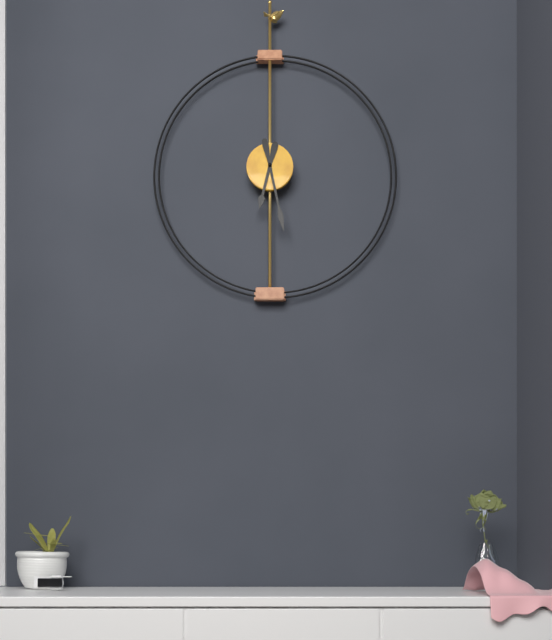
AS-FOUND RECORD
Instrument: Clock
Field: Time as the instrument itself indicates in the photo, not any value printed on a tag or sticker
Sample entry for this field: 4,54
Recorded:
6,28
